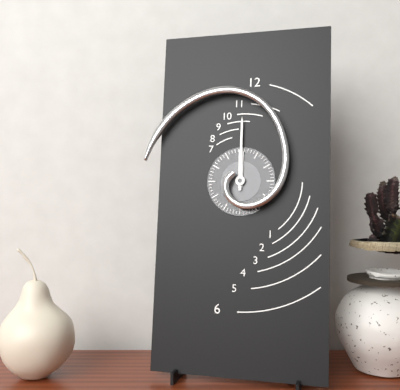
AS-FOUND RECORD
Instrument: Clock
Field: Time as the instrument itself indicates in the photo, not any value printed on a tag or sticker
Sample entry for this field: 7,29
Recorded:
12,00
